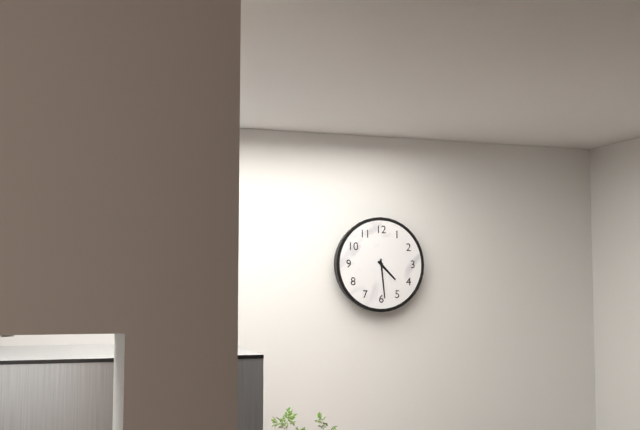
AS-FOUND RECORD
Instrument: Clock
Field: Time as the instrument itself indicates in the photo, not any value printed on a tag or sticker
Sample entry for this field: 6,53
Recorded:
4,29
